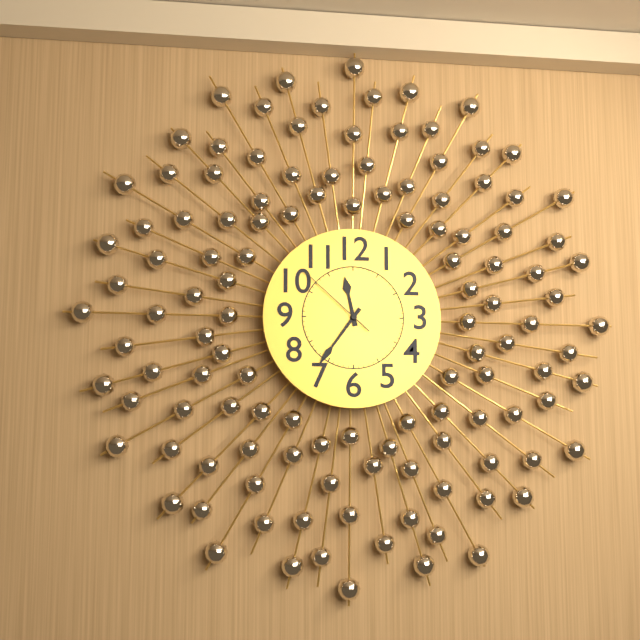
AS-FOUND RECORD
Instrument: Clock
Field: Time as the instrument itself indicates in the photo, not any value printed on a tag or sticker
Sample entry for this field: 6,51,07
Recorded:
11,36,52
